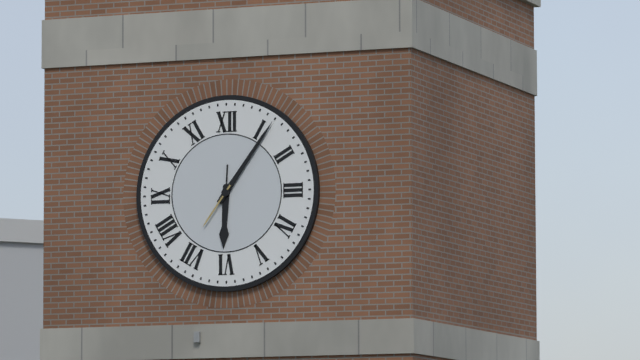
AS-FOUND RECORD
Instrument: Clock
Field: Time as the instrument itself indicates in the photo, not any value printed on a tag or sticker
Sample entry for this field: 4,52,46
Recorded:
6,06,36
